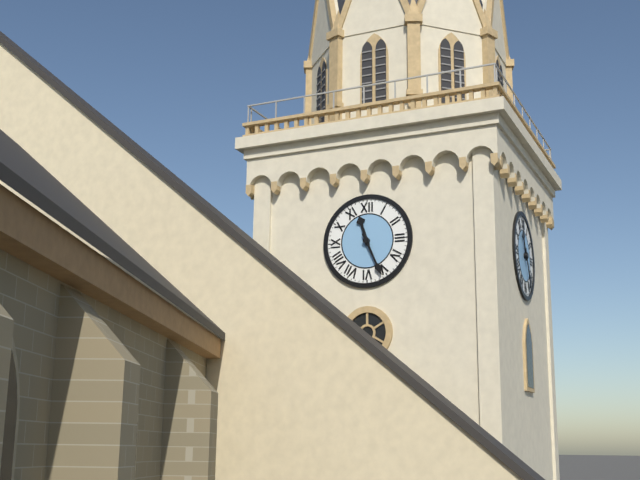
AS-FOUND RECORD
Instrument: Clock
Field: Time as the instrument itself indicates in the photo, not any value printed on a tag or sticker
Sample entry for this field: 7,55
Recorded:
11,26
